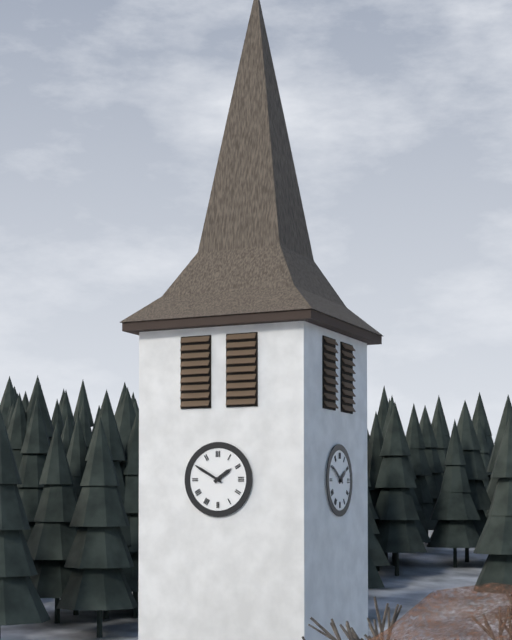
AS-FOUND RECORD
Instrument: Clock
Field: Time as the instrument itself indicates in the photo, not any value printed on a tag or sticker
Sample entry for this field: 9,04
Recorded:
1,50
